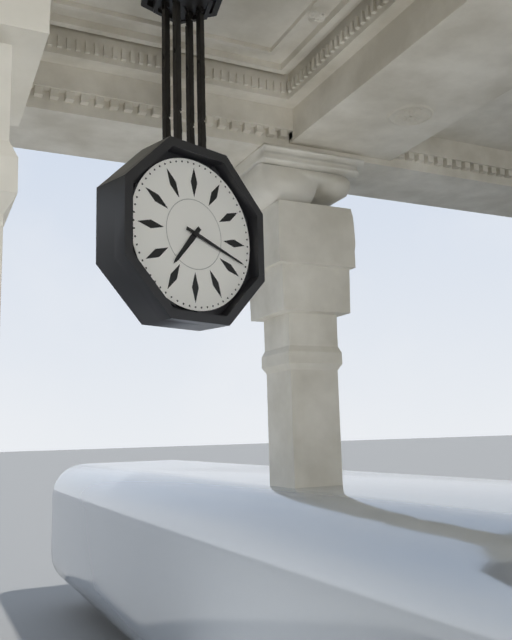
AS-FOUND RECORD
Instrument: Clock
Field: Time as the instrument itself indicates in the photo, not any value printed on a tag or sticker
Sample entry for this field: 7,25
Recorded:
7,18
